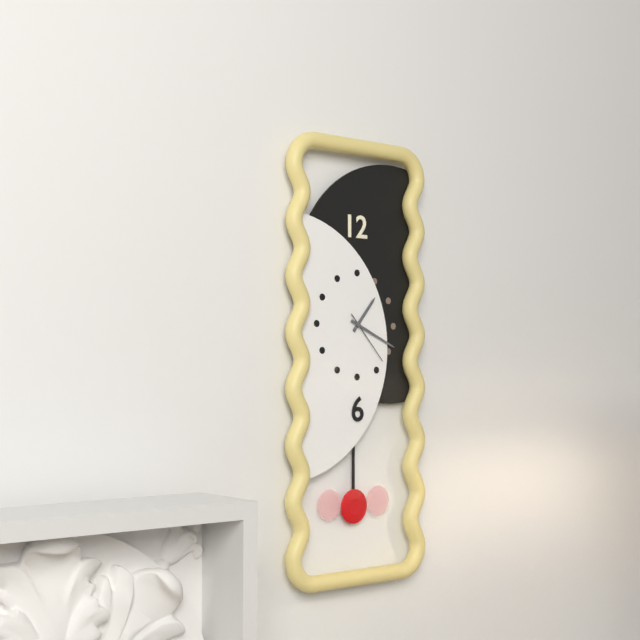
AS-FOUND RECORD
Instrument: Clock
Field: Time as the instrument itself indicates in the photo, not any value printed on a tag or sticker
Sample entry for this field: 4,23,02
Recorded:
1,19,23
